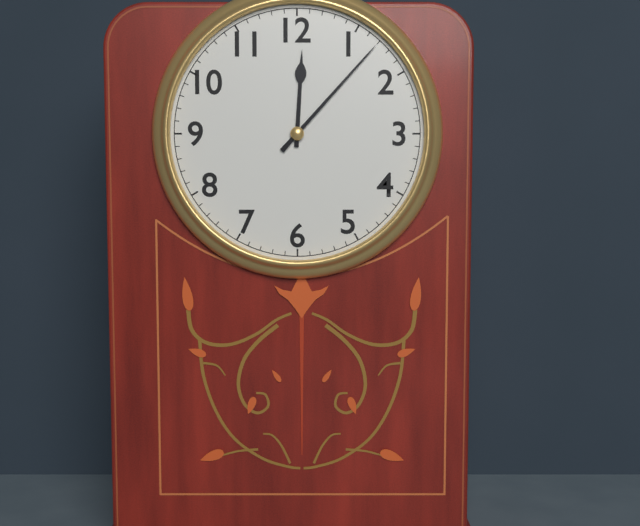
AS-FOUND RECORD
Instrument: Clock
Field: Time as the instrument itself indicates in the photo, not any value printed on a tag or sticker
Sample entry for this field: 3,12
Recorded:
12,07
